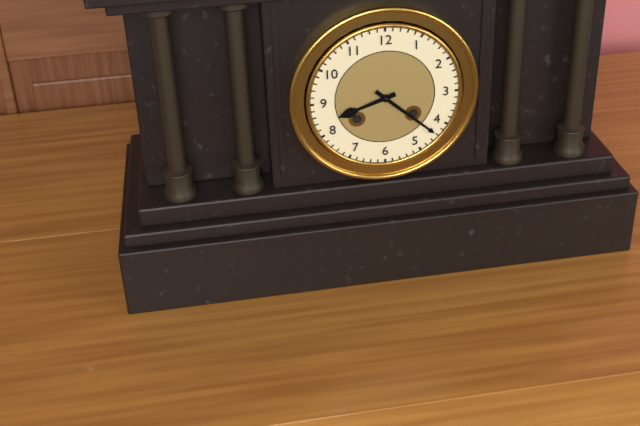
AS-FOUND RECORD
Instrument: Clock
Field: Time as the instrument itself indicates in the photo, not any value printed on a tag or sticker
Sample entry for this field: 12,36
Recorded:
8,22
